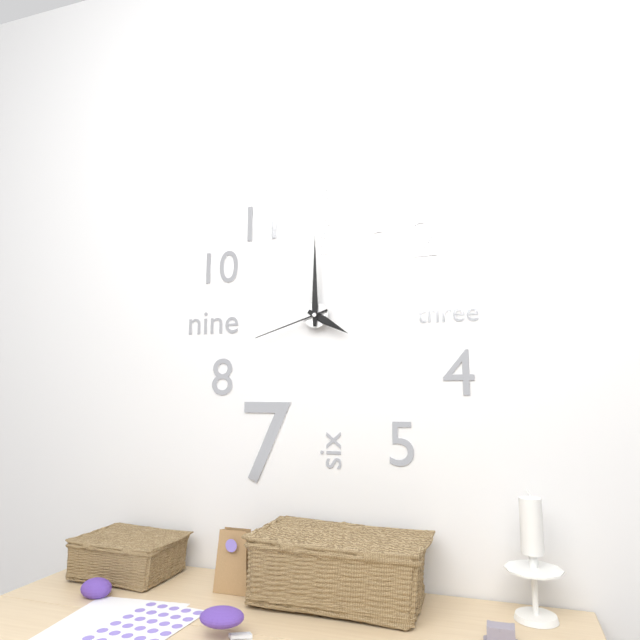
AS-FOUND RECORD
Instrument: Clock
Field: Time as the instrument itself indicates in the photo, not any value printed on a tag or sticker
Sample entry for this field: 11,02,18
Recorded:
4,00,42
